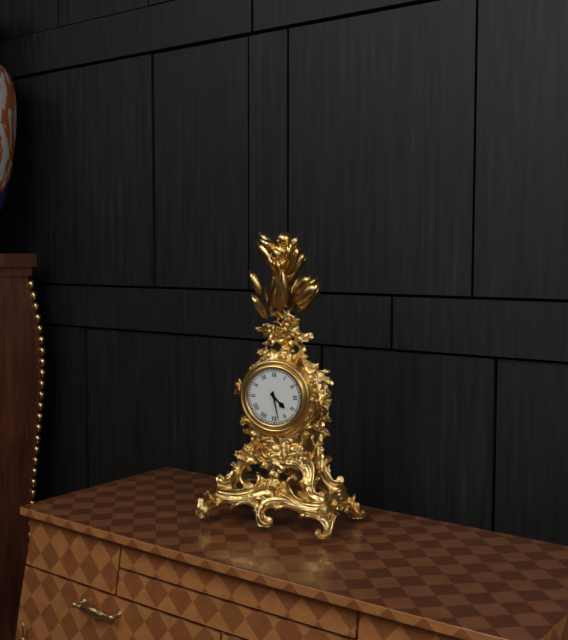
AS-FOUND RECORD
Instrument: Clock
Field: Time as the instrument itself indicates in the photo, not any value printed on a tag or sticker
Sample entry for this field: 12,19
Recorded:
4,28
